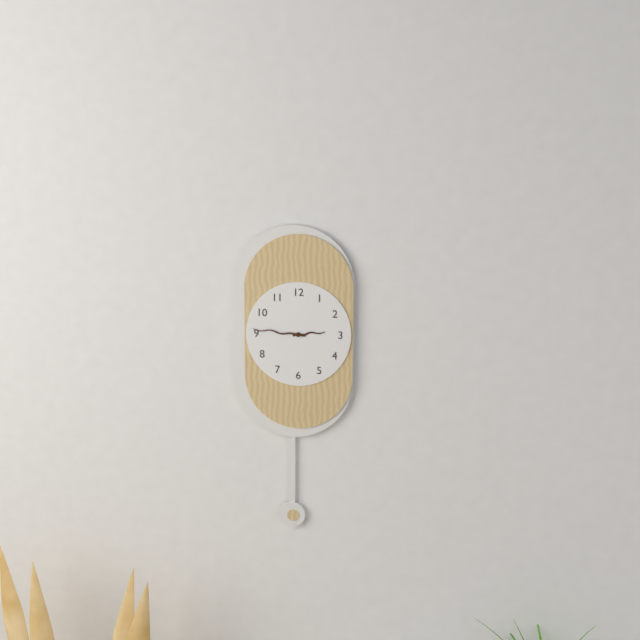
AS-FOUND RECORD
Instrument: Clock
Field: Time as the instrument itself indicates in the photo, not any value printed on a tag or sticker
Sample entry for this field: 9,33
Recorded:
2,46
